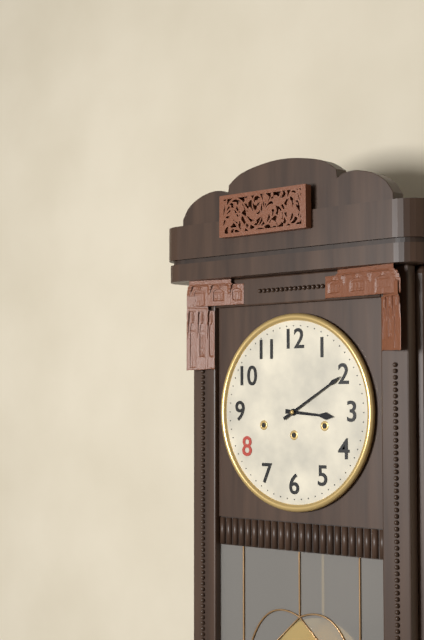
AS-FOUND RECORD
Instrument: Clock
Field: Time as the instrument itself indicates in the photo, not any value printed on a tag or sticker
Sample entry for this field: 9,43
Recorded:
3,10
